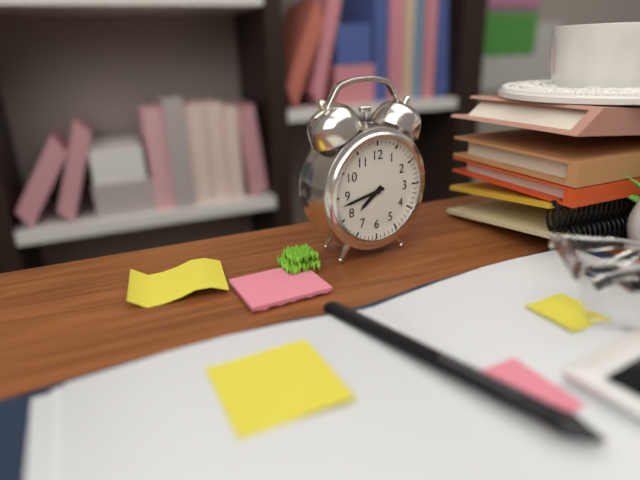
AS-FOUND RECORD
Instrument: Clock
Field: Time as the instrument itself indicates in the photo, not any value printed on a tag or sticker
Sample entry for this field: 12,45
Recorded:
7,43
